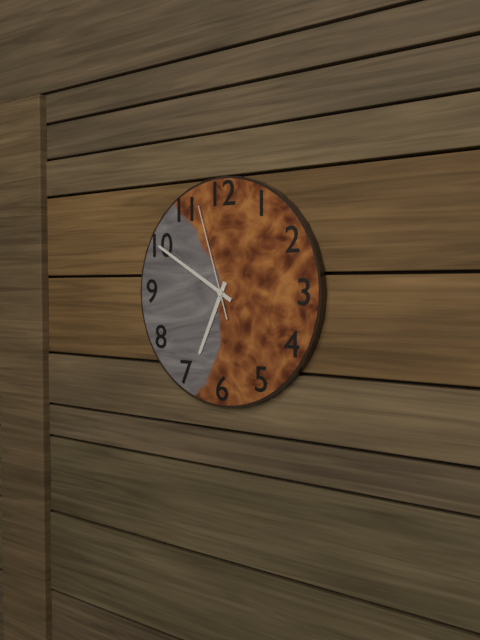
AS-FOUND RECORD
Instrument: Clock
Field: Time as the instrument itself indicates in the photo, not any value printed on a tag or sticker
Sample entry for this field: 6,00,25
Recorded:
6,50,57
